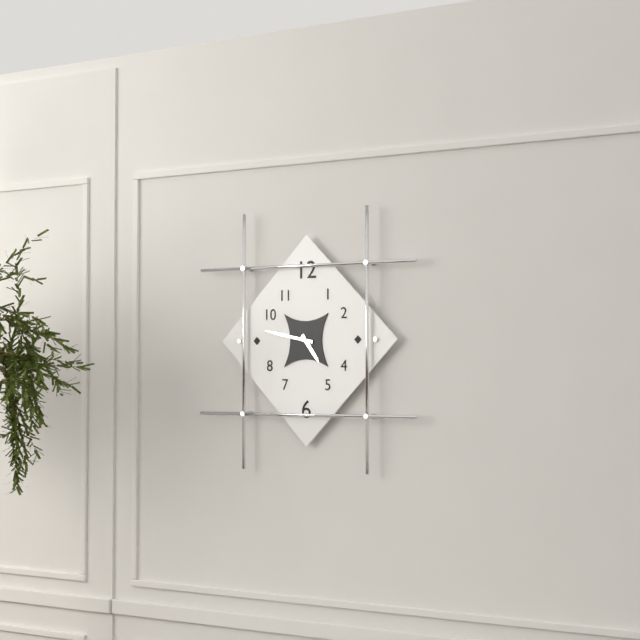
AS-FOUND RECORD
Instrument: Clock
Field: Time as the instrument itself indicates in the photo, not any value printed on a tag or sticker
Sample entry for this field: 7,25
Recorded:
4,47
